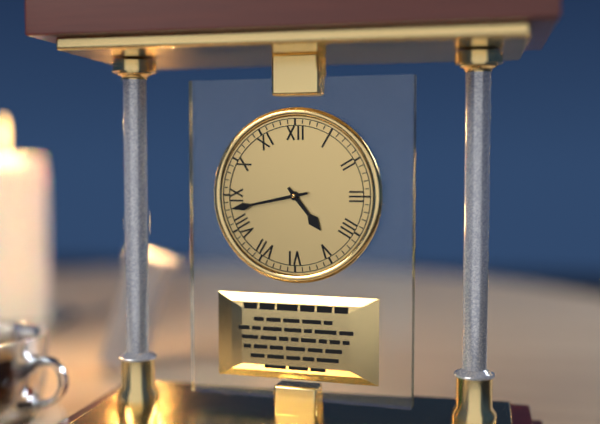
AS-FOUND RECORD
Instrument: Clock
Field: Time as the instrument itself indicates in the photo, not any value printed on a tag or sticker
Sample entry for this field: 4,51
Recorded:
4,43
